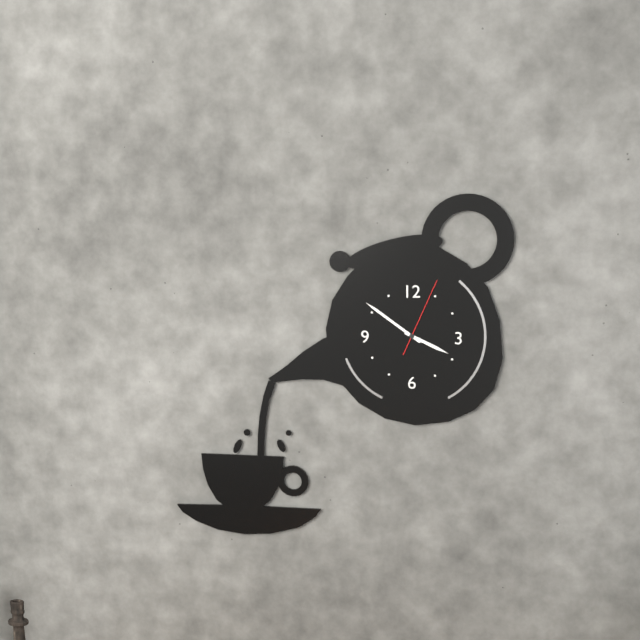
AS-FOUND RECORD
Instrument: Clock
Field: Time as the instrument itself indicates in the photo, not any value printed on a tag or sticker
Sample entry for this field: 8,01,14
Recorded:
3,51,04
